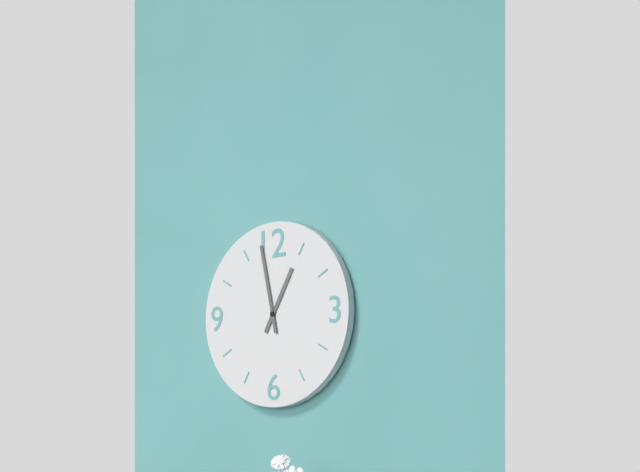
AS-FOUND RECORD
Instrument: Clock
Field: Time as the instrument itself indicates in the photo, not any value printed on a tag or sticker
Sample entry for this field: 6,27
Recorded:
12,58
